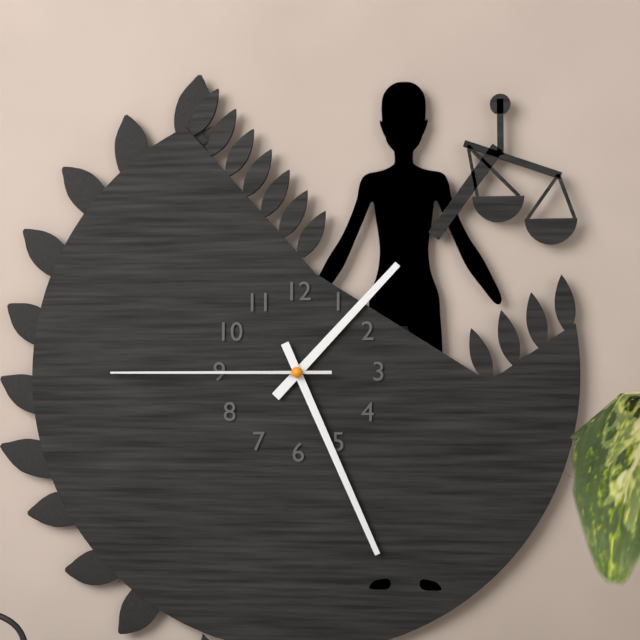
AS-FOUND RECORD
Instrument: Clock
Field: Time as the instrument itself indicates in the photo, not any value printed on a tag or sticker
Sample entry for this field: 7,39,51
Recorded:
1,26,45
